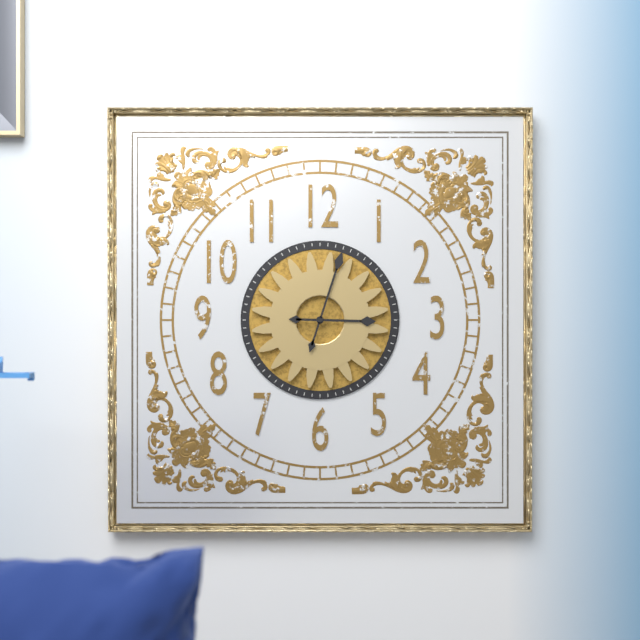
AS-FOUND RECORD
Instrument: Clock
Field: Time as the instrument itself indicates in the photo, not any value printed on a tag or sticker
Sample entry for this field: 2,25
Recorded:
3,03
